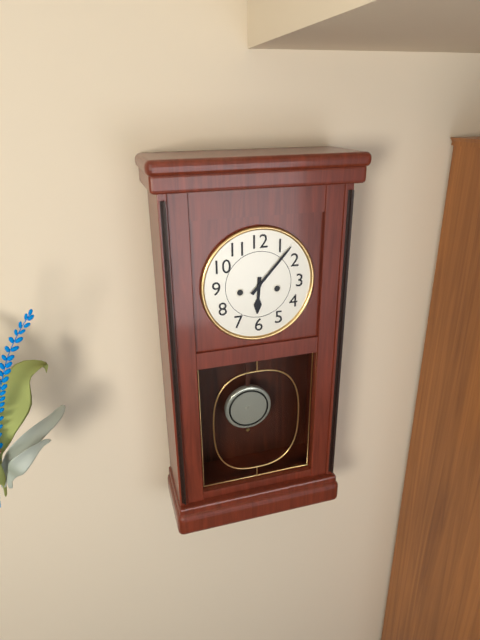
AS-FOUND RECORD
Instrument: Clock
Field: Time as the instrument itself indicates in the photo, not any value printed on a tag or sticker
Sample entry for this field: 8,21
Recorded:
6,07
